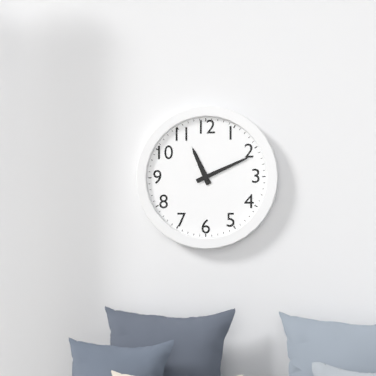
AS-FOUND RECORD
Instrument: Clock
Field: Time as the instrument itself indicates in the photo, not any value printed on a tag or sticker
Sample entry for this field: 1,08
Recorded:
11,11
